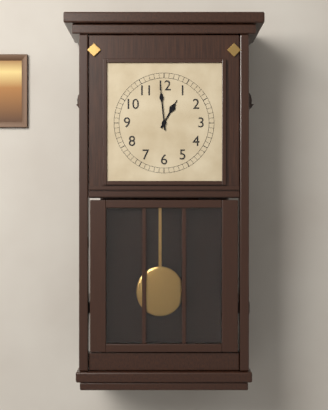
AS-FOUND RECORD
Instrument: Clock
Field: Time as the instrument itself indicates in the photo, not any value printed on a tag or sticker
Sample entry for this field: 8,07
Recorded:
12,59
